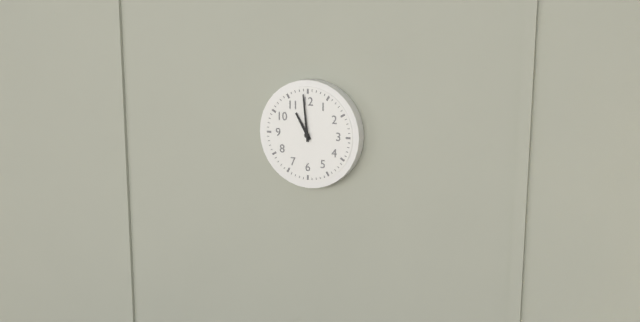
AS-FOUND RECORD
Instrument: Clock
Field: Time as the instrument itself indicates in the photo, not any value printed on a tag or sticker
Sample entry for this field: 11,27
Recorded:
10,59
